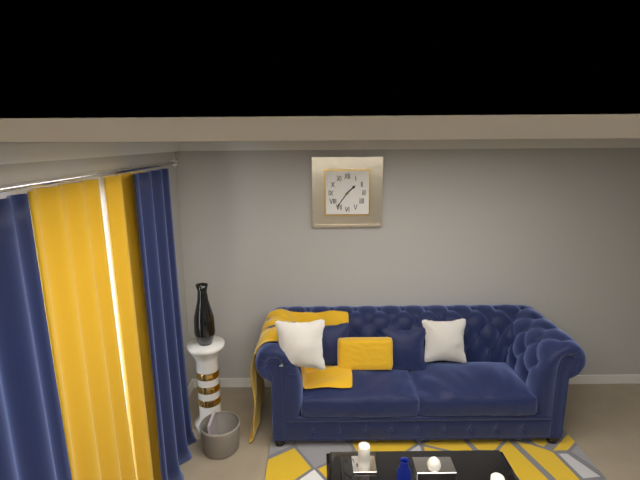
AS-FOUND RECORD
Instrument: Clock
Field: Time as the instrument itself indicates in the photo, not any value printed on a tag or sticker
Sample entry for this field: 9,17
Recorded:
1,36
